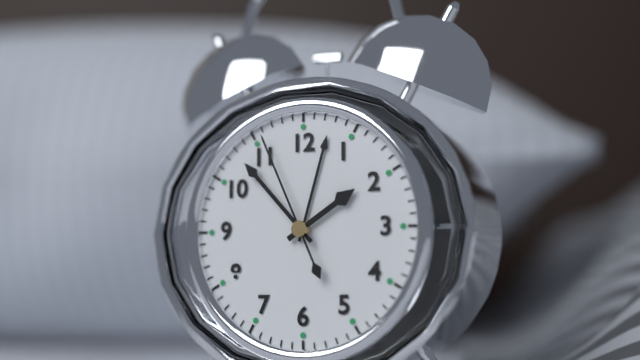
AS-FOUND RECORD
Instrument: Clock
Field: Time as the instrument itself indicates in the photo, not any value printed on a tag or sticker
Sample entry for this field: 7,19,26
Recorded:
1,53,56
